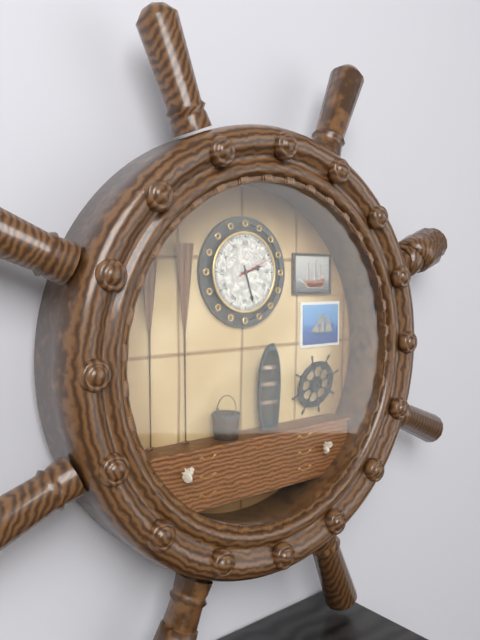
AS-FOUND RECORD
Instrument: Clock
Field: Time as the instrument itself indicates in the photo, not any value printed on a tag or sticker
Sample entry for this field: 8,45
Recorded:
2,27
